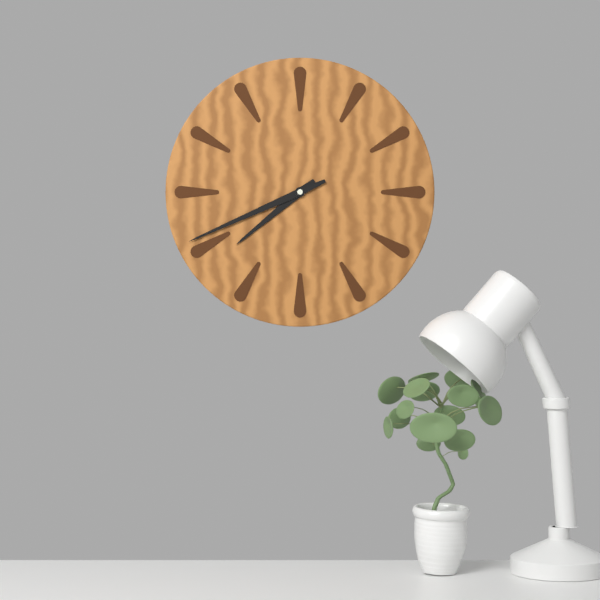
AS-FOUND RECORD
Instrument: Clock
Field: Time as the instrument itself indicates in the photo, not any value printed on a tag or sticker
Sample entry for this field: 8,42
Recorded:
7,41
